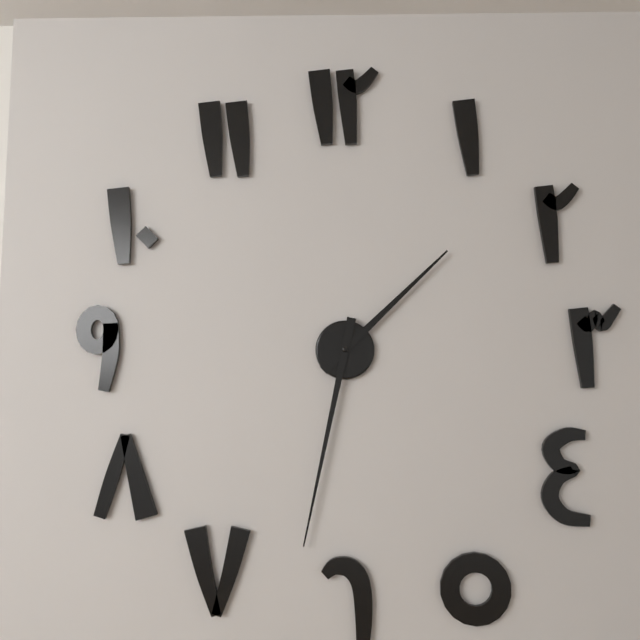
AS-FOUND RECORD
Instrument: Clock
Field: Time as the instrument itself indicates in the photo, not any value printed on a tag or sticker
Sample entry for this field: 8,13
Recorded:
1,32
